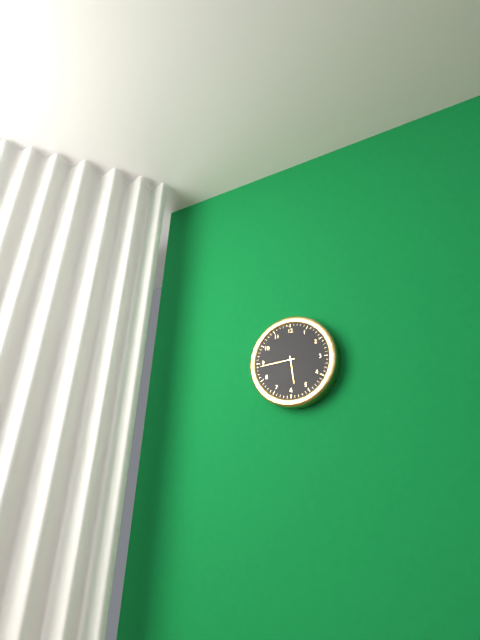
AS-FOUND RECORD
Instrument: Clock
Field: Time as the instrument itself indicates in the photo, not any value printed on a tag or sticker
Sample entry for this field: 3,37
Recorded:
5,44
